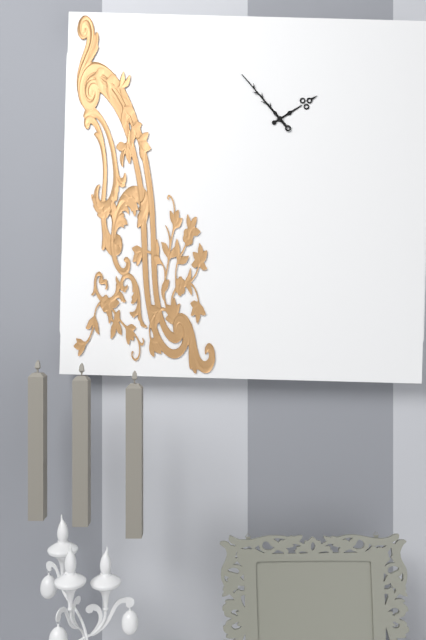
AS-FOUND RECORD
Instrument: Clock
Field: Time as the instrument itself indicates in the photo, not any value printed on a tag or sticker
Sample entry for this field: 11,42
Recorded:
1,53
